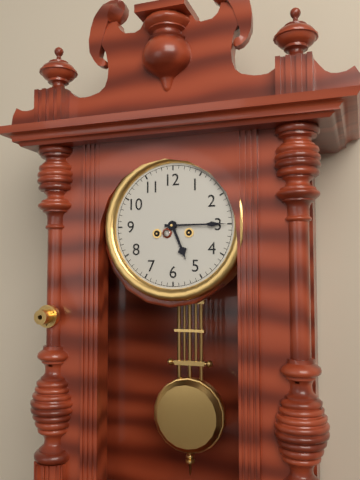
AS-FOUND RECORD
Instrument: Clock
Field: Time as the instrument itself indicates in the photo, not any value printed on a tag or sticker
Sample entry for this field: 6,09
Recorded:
5,15
